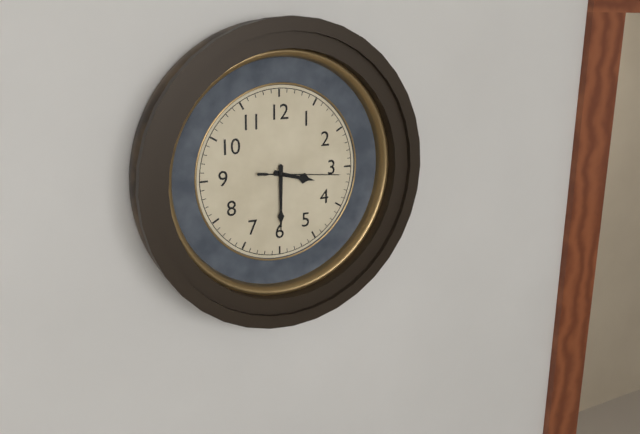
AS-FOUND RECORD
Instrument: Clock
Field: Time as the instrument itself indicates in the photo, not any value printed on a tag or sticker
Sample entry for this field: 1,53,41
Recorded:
3,30,16
